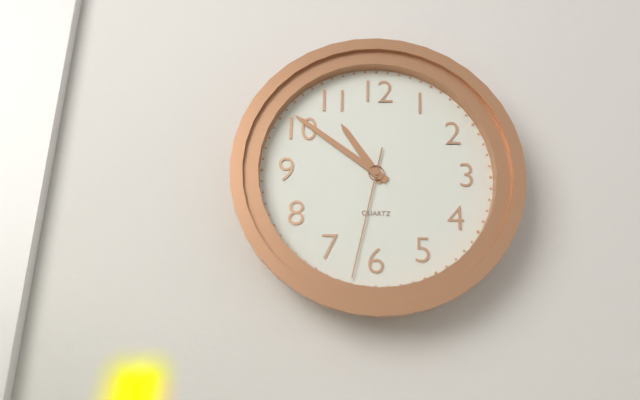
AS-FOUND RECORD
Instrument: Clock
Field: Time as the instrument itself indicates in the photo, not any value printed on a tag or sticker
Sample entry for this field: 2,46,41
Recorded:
10,51,32
